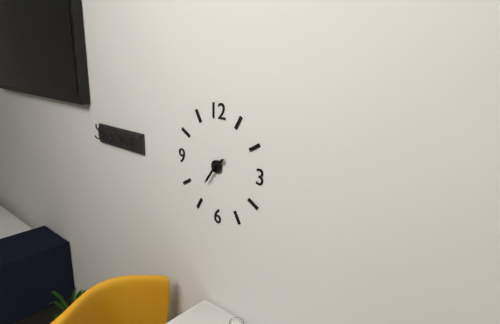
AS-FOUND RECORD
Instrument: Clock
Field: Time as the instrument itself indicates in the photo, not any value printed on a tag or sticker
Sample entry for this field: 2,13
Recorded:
1,36
